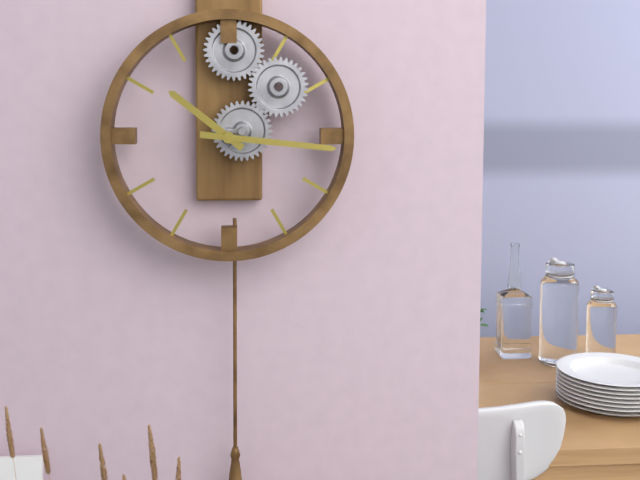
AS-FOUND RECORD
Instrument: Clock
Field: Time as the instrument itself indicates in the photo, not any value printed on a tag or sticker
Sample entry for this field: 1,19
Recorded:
10,16
